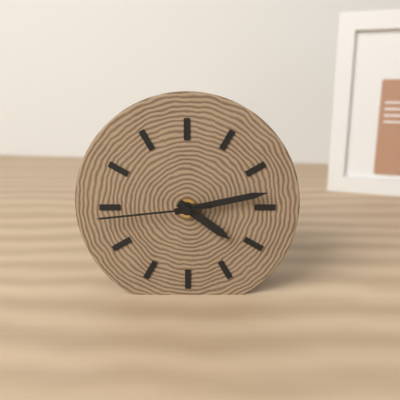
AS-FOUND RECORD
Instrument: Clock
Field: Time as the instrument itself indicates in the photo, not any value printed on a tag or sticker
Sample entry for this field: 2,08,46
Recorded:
4,13,44
